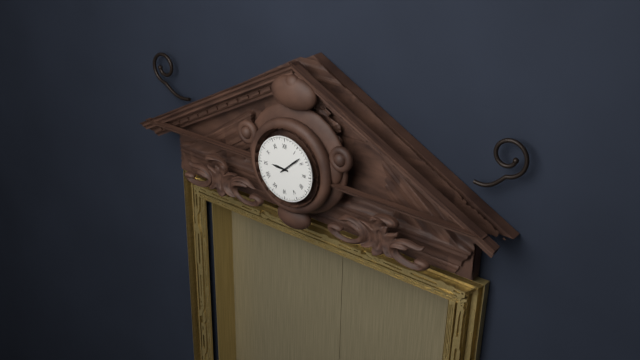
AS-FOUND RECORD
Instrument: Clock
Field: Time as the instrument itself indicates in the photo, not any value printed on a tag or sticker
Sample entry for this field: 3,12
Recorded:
9,08
